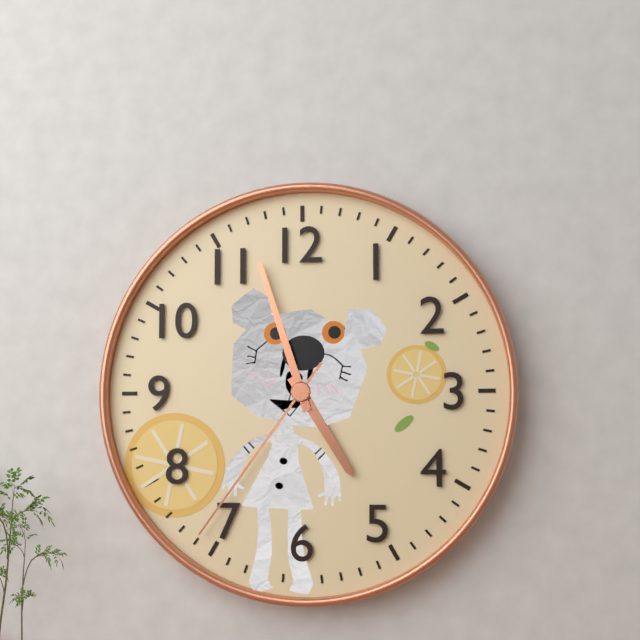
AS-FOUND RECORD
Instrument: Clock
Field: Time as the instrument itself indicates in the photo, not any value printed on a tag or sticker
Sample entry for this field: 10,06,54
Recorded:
4,57,36
